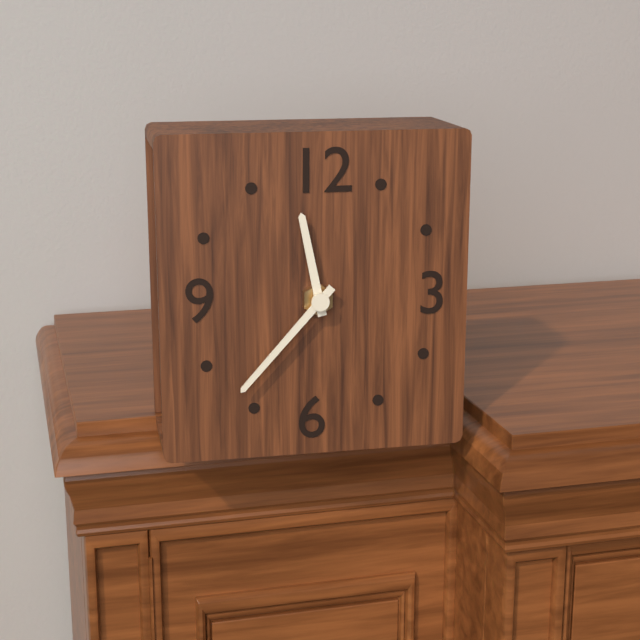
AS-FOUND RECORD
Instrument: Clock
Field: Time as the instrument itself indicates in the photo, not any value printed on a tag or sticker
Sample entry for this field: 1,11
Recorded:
11,37
